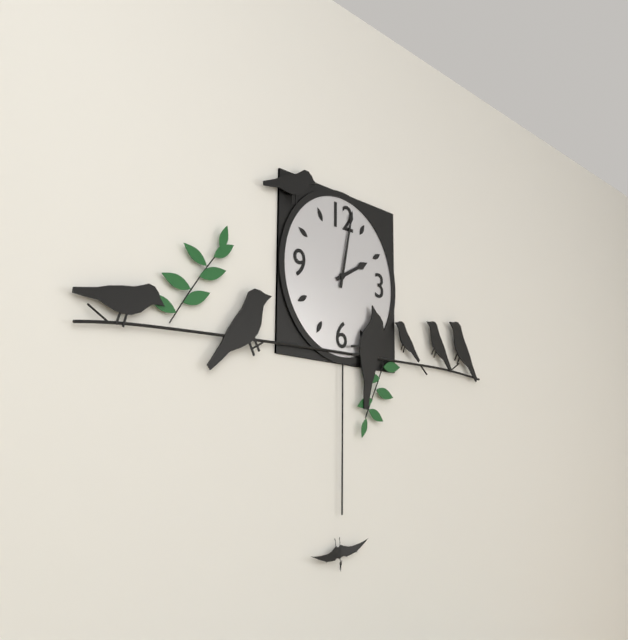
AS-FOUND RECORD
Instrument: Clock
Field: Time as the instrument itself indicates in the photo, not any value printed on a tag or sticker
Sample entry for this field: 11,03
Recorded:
2,02
